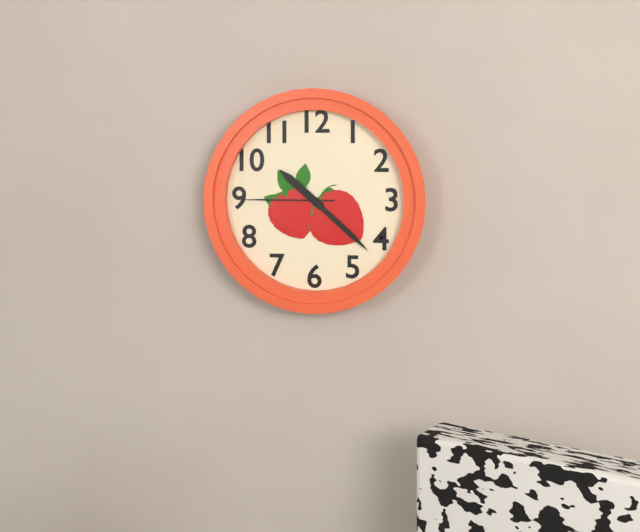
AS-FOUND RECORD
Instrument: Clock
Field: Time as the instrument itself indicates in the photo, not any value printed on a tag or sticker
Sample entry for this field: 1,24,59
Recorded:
10,22,45
